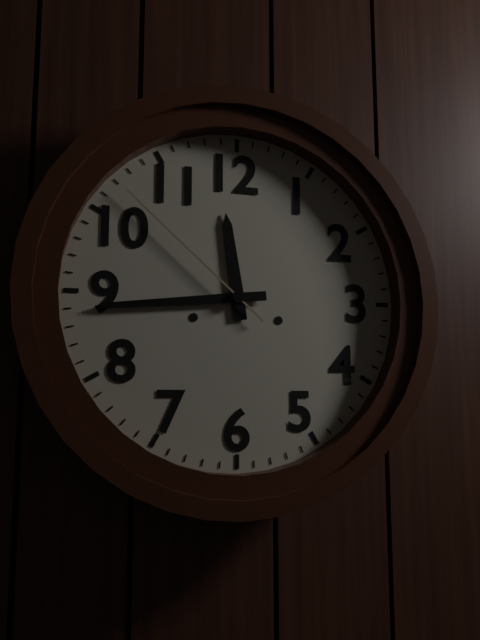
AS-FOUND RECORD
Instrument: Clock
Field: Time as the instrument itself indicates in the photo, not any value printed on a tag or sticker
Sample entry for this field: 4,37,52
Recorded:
11,44,52
